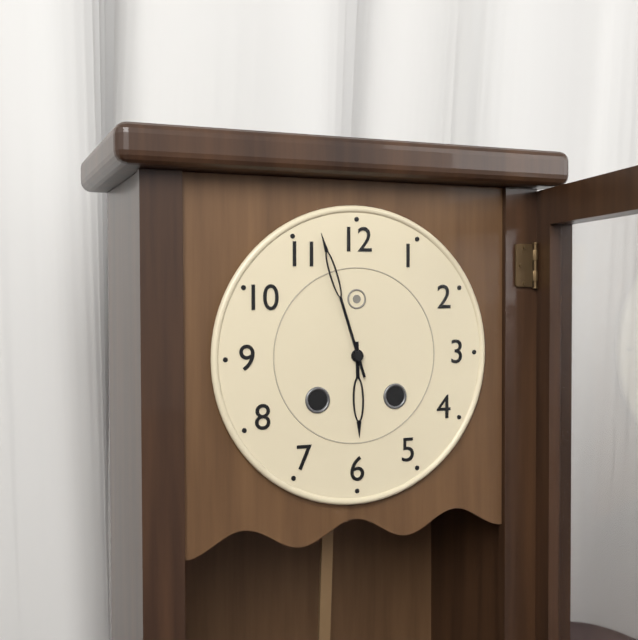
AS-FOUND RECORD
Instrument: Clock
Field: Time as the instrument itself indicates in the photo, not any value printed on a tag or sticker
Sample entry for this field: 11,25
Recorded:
5,57
